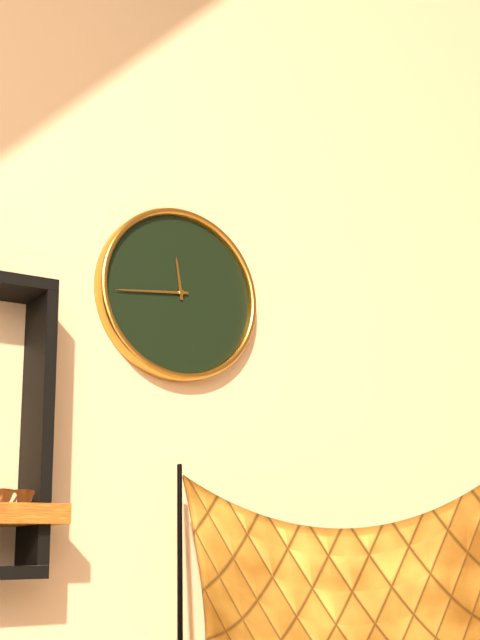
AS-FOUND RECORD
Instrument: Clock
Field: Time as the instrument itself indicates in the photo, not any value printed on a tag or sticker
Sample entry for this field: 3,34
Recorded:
11,44
